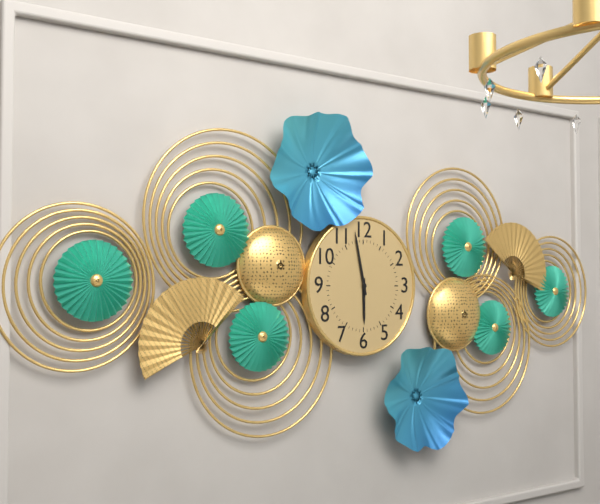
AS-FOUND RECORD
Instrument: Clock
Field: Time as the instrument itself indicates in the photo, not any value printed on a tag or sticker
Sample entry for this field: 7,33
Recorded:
5,58
